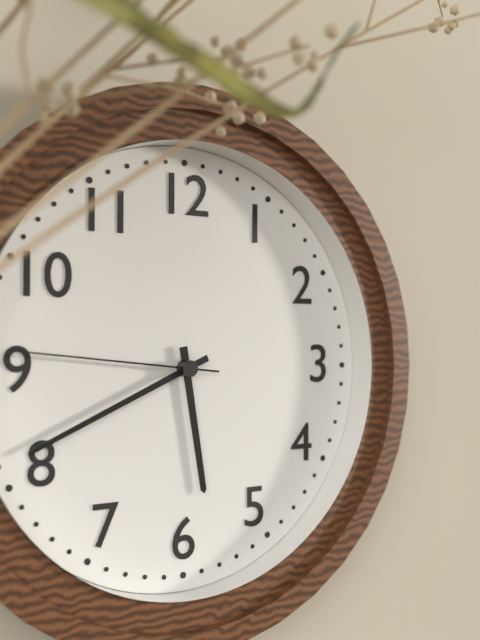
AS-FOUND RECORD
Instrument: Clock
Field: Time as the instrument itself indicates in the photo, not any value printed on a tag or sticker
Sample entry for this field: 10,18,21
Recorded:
5,41,46
